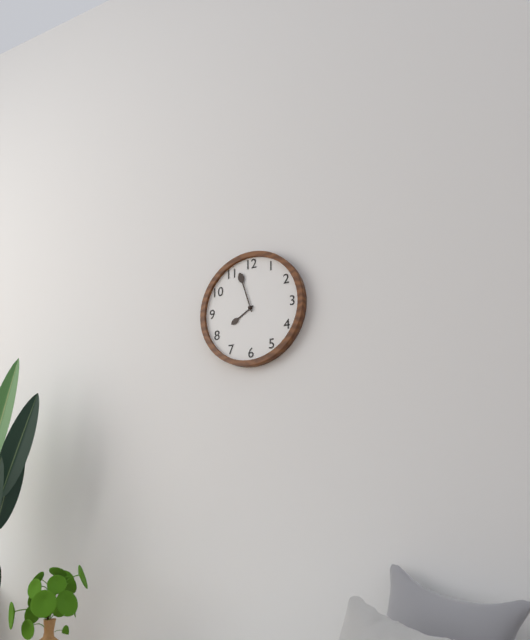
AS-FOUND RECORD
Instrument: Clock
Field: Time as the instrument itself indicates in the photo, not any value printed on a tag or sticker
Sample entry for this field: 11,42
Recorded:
7,57
